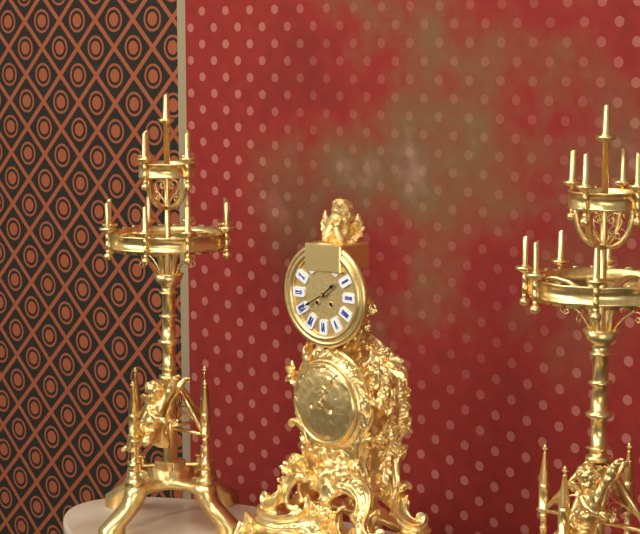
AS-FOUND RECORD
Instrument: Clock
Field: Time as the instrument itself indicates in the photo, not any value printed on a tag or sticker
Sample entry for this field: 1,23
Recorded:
1,40
